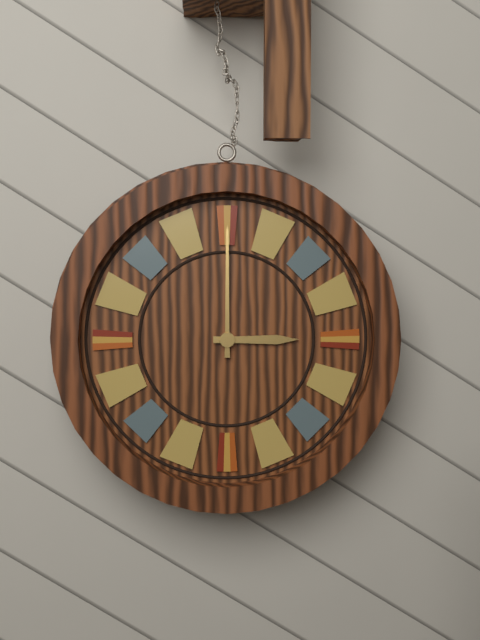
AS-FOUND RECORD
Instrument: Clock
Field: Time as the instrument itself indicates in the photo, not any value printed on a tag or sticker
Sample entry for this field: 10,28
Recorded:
3,00
